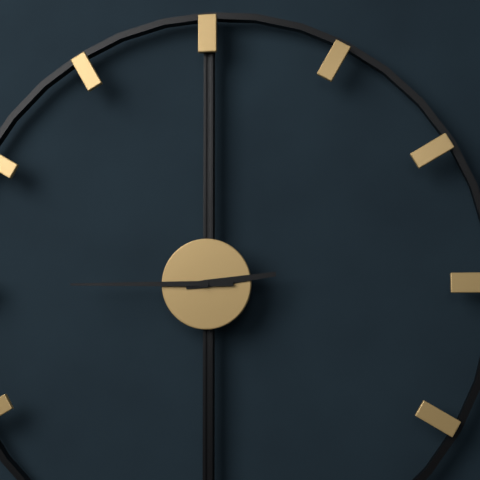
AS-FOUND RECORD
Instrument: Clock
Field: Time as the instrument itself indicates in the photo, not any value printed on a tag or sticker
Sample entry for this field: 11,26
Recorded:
2,45
